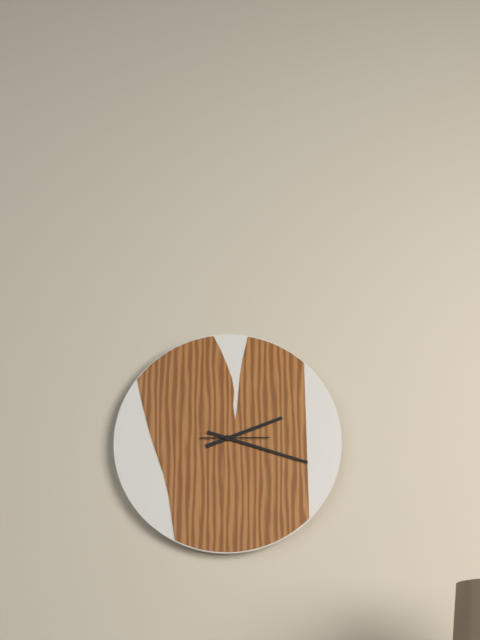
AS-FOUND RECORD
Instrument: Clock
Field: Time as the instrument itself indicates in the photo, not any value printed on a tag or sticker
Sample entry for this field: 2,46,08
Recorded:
2,18,15
